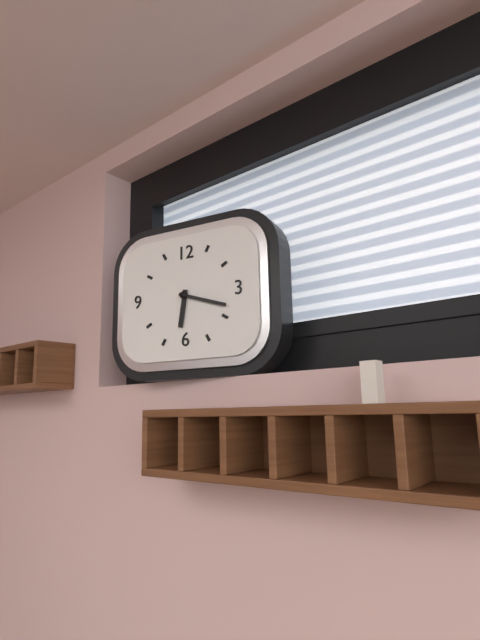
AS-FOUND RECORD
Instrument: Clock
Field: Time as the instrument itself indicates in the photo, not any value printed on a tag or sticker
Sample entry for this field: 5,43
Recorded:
6,18
